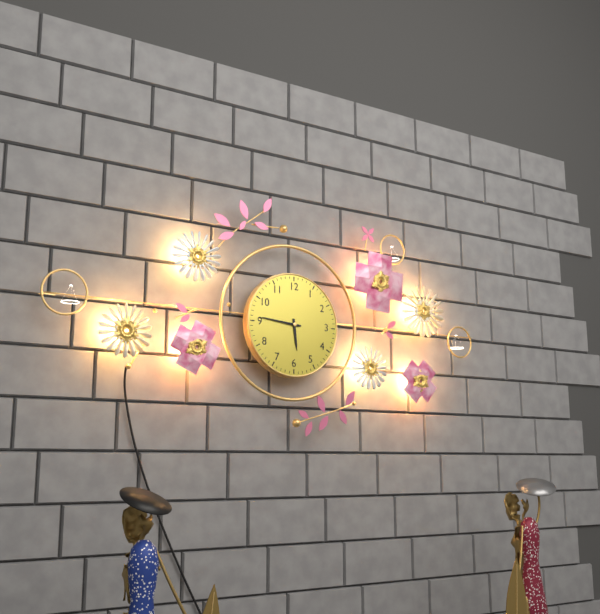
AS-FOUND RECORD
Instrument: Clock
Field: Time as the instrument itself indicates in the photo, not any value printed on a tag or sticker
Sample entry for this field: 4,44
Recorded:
5,46
